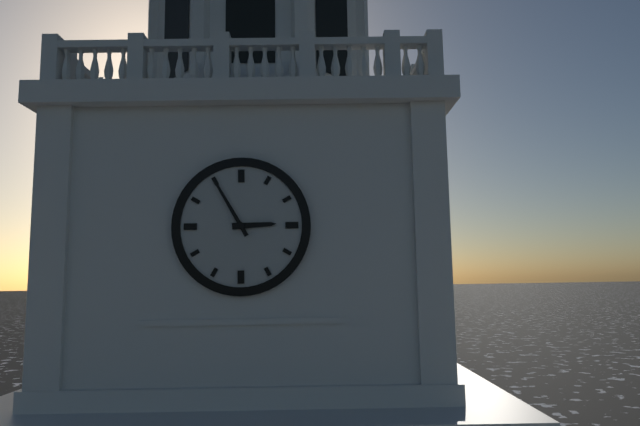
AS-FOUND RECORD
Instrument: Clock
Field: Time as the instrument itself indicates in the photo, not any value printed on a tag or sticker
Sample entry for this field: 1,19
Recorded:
2,55
